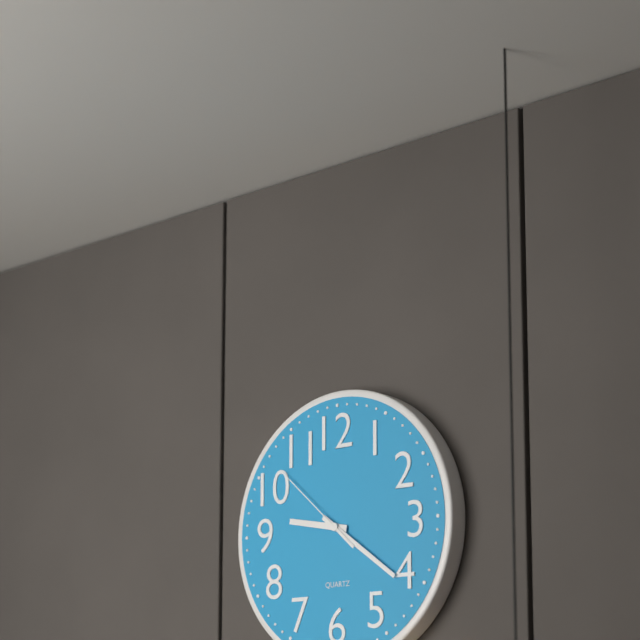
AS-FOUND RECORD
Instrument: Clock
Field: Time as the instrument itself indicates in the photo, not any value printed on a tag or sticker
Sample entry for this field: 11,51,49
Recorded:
9,21,52
